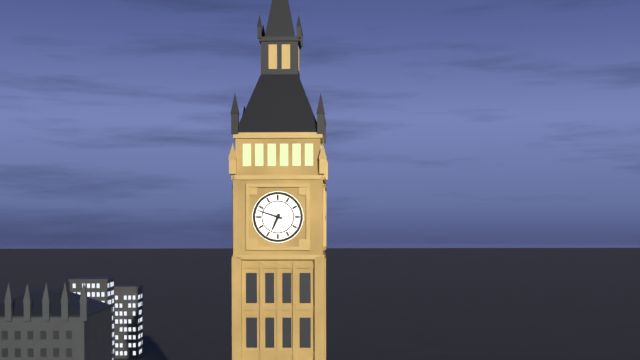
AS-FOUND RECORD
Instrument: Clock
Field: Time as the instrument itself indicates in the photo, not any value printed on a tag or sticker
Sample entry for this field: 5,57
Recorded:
6,48
